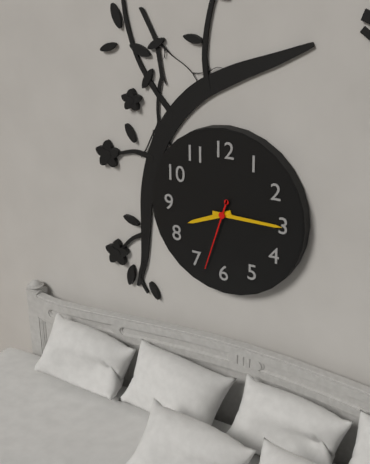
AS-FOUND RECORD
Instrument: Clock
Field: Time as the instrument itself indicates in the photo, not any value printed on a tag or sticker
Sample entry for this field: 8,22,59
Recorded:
8,15,33
